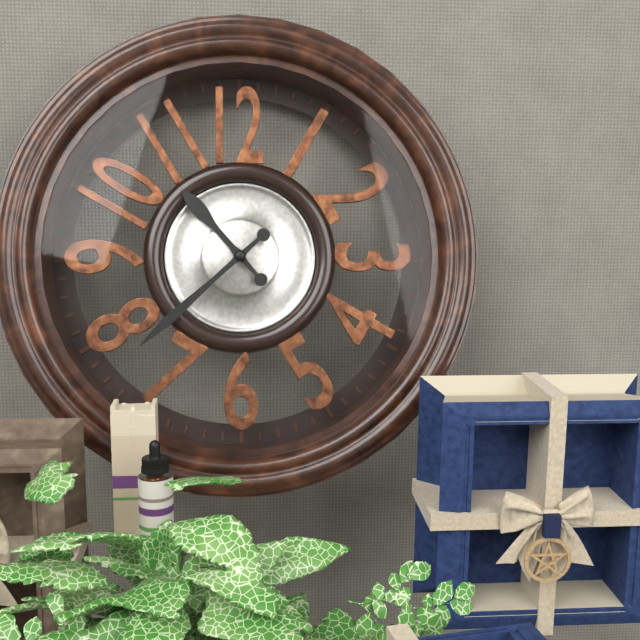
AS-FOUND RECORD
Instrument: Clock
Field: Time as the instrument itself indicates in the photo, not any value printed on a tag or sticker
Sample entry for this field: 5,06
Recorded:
10,38
